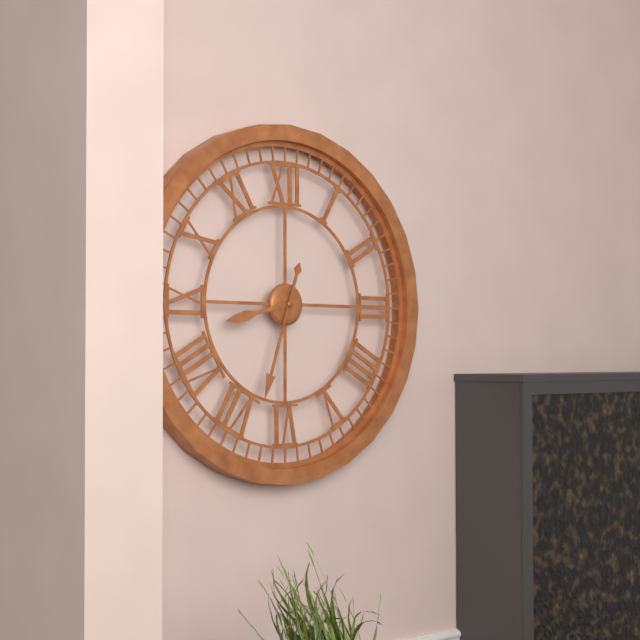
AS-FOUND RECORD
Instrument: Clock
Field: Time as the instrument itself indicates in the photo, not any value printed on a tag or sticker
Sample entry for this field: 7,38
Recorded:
8,33
